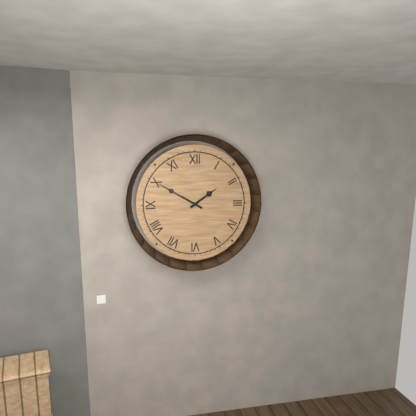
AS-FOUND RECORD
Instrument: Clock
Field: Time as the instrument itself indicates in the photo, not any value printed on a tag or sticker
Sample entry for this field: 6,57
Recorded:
1,50
